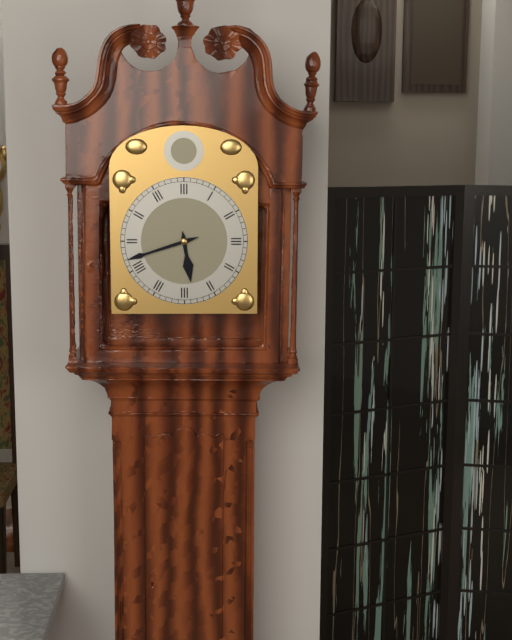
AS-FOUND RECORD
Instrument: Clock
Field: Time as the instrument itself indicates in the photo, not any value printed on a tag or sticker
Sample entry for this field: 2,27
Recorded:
5,42
